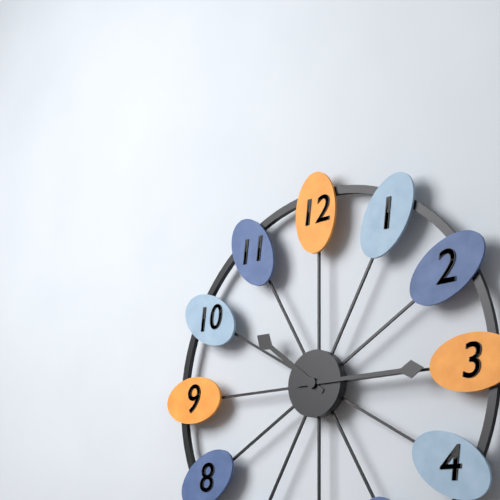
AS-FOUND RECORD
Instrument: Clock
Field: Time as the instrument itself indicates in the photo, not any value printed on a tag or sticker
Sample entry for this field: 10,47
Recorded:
10,15
